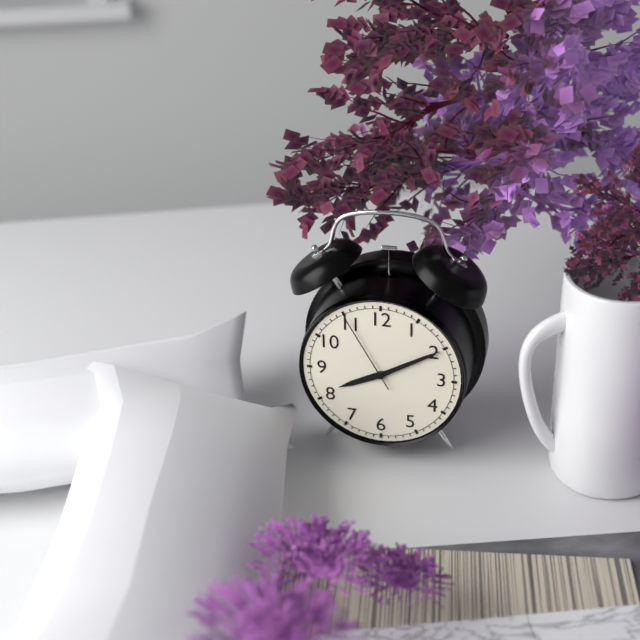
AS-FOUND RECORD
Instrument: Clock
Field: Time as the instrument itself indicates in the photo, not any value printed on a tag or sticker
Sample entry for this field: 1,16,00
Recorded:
8,10,55
